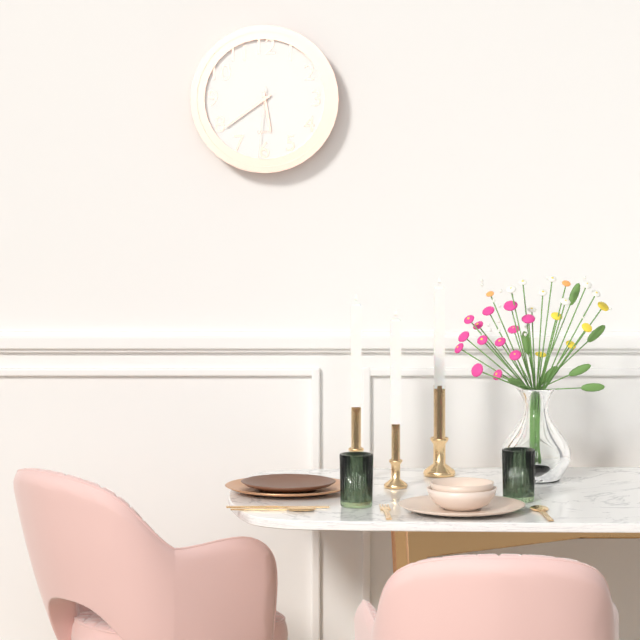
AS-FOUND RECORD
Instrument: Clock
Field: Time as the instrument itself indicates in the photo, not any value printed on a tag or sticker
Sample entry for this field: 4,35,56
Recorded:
5,39,31
